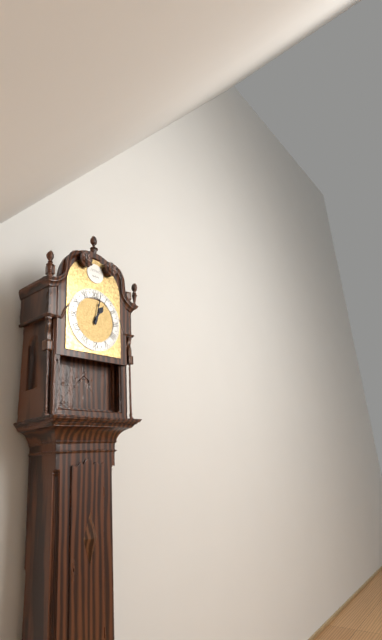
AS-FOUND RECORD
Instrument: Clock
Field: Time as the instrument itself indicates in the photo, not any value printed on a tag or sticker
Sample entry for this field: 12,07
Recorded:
1,02
